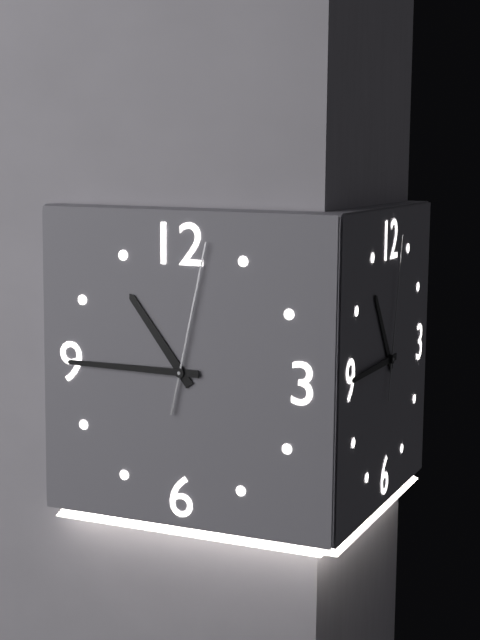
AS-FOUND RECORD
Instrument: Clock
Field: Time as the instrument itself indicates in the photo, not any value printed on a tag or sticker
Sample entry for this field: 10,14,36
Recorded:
10,45,02
